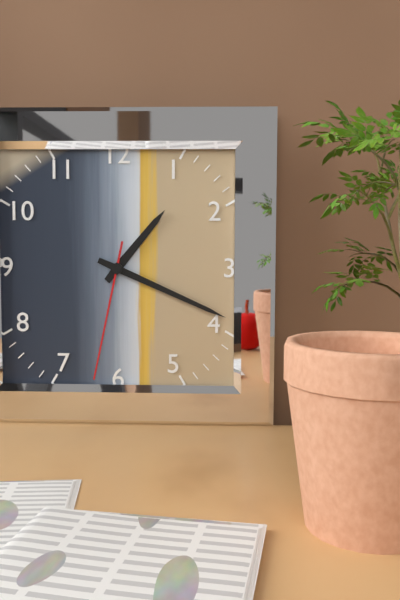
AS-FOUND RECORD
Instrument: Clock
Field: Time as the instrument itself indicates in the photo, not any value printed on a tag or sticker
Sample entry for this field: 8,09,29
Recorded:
1,19,32
